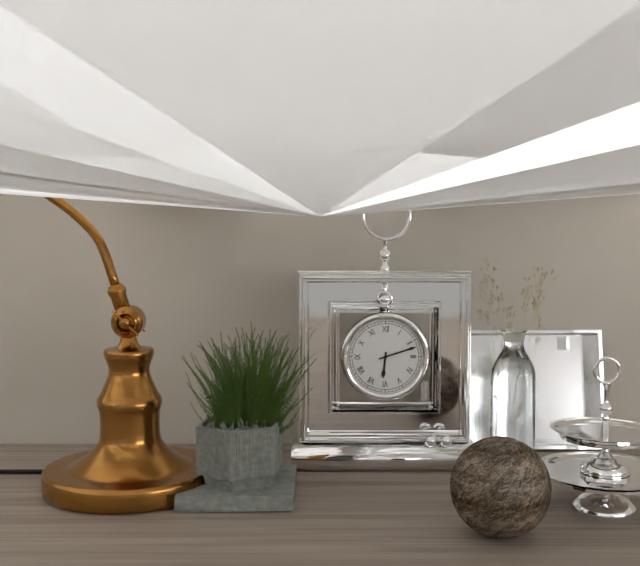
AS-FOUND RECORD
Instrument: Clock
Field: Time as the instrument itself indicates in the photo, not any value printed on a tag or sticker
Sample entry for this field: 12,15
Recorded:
6,12
